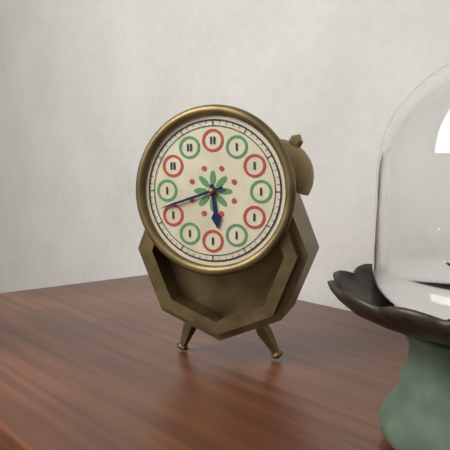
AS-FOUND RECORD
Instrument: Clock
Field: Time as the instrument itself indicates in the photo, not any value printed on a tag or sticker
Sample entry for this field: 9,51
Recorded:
5,42
